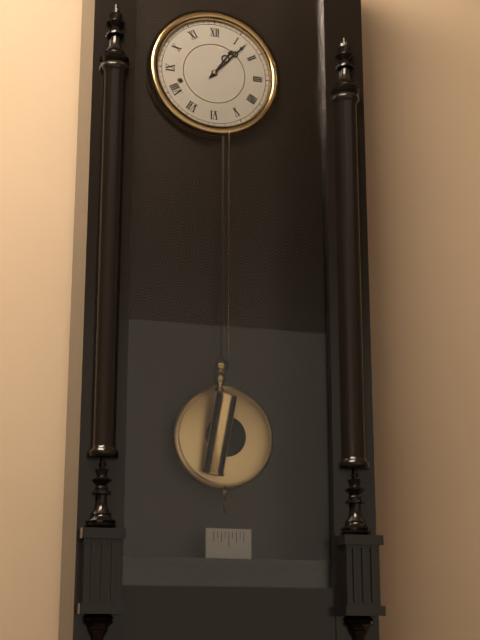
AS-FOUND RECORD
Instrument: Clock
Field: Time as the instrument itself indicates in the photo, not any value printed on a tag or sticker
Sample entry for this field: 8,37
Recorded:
1,07
